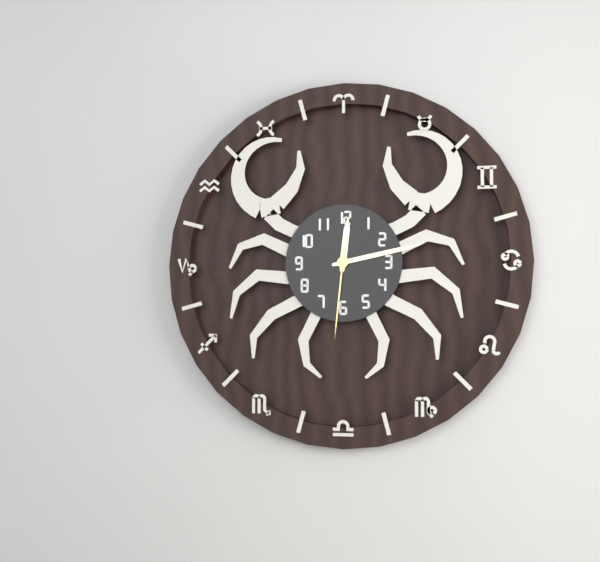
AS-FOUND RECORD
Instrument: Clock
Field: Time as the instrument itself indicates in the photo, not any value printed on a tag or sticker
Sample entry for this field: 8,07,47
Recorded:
12,13,31
